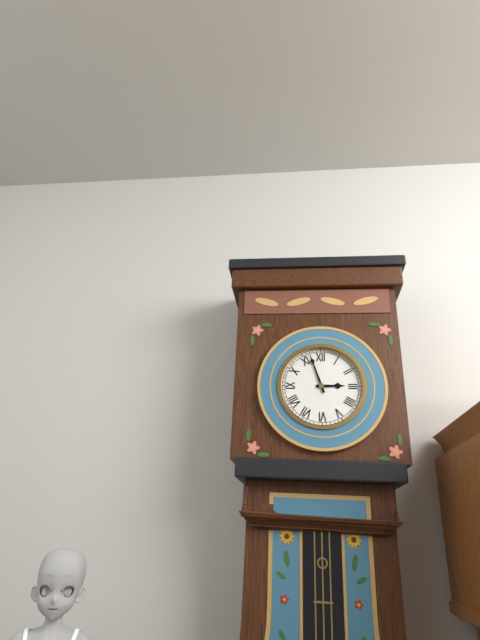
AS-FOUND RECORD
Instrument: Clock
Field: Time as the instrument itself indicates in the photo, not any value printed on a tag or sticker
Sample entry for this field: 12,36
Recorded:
2,57
